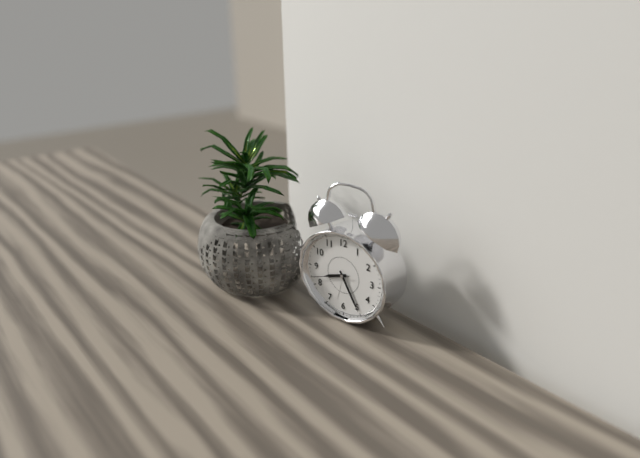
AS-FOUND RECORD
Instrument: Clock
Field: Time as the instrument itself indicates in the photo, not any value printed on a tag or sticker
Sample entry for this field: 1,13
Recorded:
8,25
